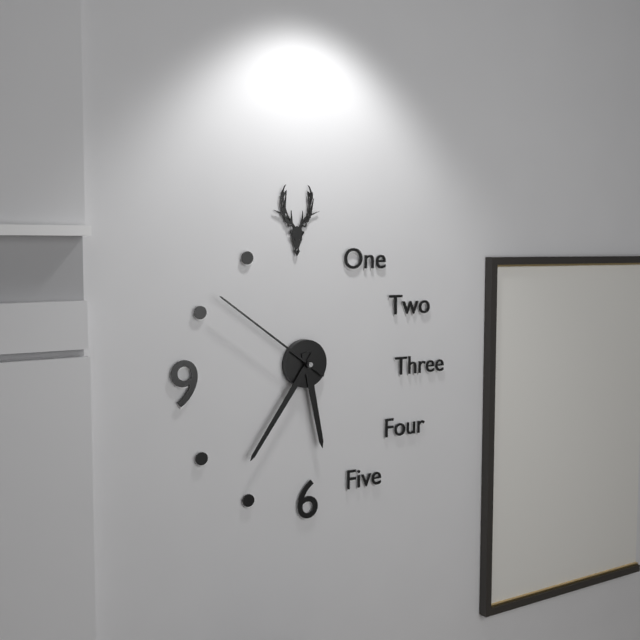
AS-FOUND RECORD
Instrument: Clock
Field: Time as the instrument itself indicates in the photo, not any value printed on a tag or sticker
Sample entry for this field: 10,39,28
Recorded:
5,36,51
